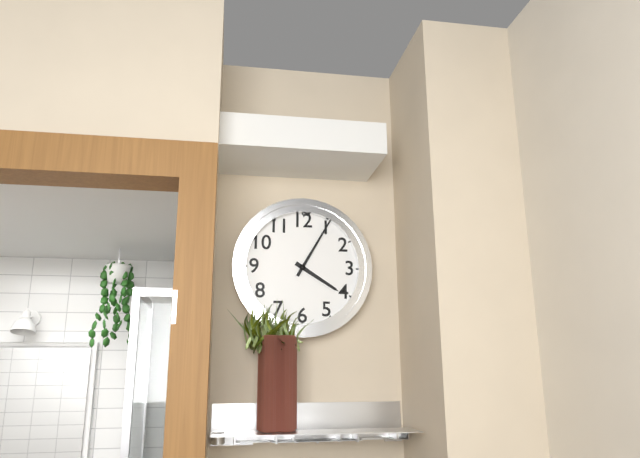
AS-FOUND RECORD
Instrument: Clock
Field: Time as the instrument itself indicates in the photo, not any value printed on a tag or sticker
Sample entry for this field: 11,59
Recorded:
4,05
